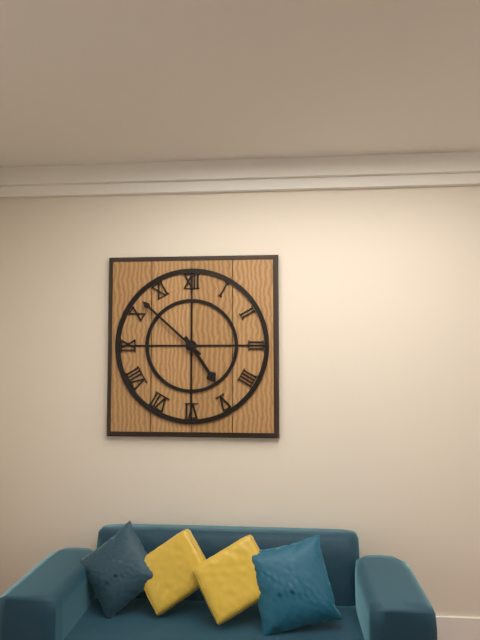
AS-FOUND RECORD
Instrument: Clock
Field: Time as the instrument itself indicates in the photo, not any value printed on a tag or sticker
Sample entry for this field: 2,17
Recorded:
4,52
